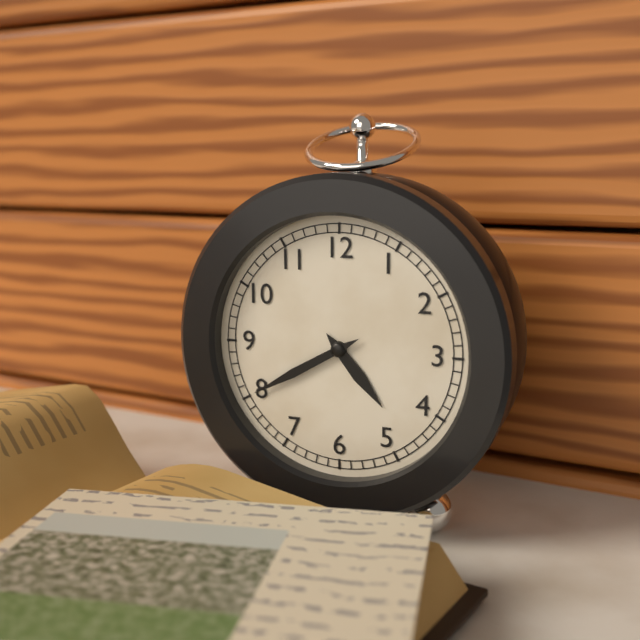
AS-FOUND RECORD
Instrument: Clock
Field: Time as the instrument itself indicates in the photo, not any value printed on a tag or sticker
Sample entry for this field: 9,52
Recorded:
4,40
